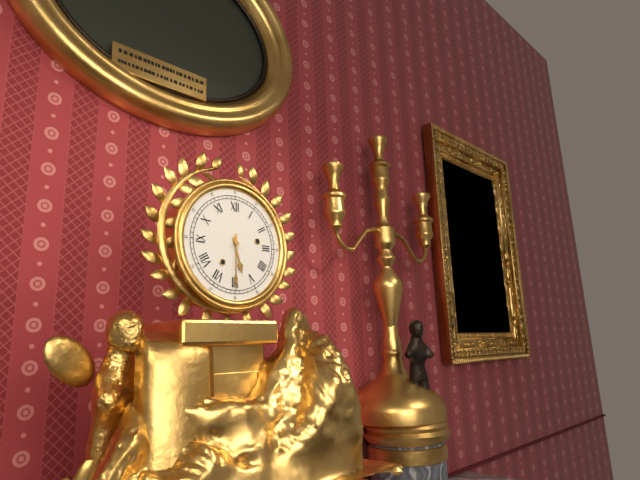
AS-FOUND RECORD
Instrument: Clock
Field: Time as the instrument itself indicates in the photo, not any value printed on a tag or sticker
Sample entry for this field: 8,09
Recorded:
5,30
